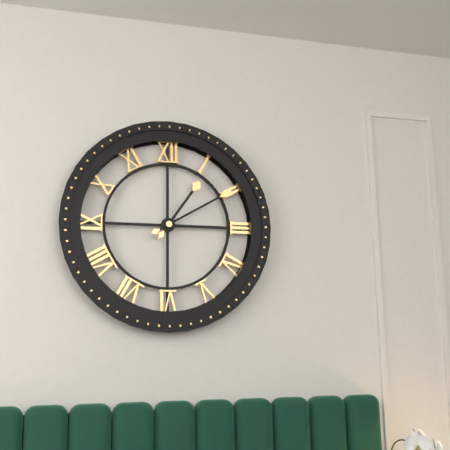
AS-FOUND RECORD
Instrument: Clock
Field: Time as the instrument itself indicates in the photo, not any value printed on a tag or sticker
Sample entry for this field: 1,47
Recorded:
1,10
